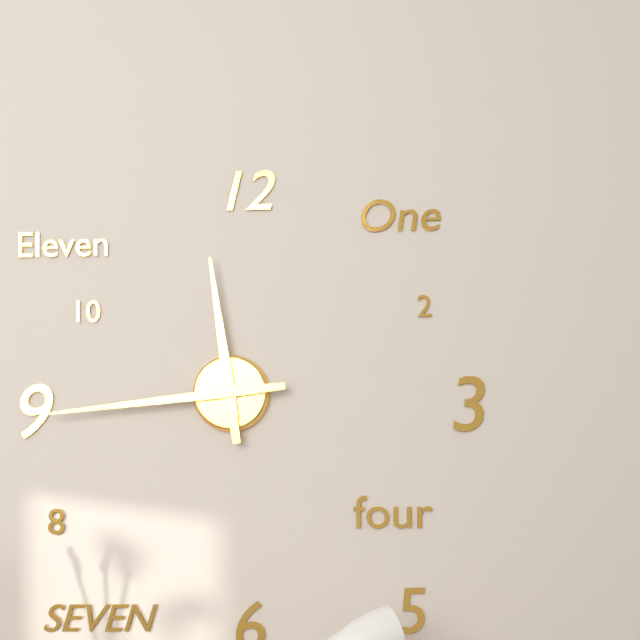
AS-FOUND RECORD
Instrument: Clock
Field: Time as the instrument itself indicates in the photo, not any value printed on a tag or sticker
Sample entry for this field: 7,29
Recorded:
11,44
